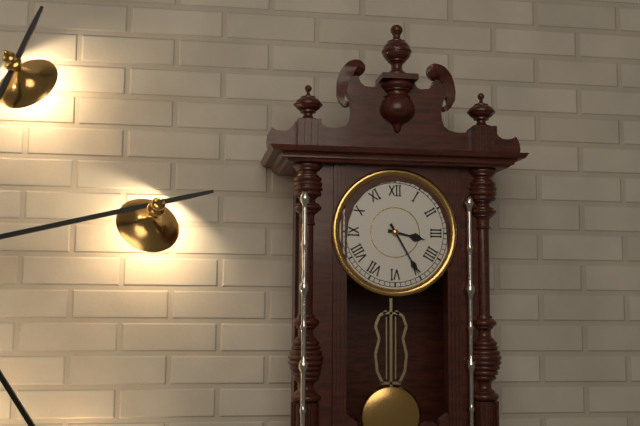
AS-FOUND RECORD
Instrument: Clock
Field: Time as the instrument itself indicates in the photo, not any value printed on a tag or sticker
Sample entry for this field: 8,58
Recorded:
3,25
